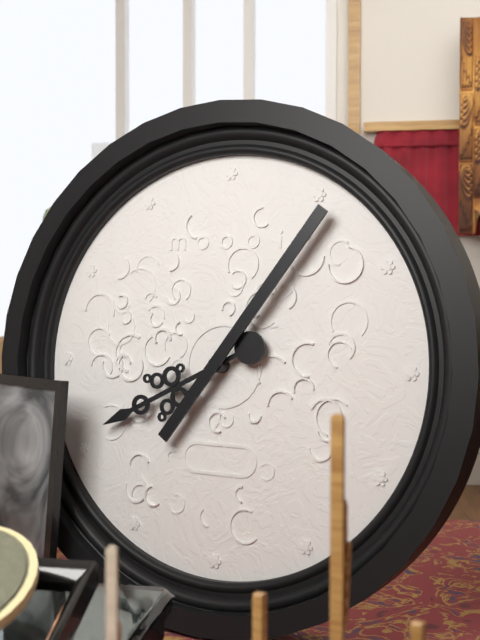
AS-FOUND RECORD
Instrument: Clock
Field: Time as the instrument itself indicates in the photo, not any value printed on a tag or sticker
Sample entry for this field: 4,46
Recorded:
8,06
